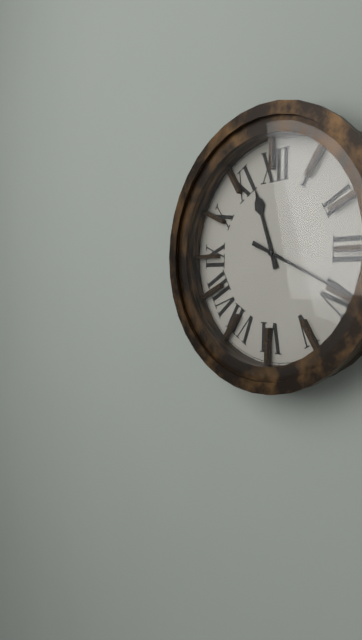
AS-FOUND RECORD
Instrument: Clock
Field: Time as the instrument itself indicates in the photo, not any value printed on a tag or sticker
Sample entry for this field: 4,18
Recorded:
11,19
